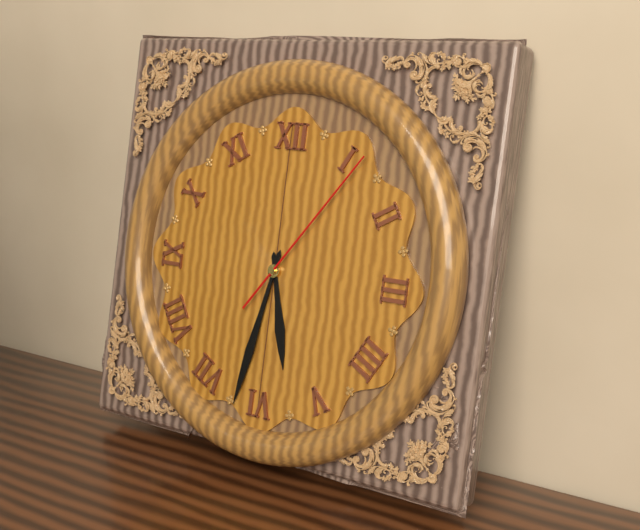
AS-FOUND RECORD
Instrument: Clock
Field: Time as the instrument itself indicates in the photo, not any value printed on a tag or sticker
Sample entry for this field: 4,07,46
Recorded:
5,32,06
